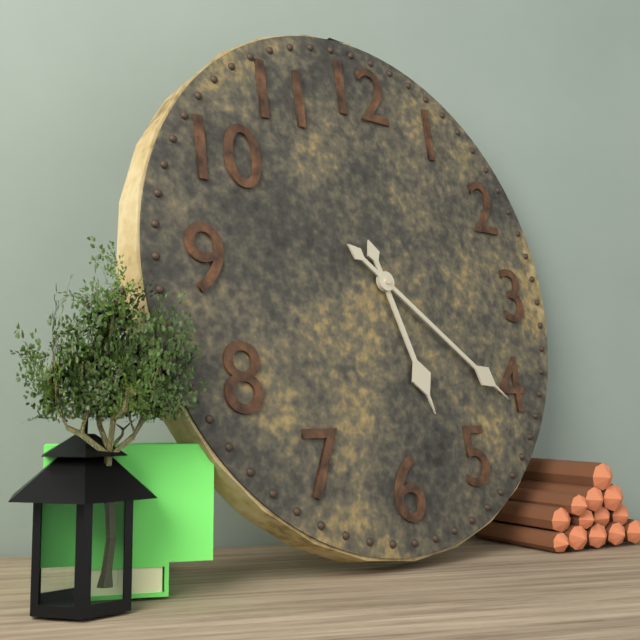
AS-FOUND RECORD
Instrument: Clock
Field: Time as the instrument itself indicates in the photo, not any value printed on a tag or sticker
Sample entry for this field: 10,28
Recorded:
5,21
